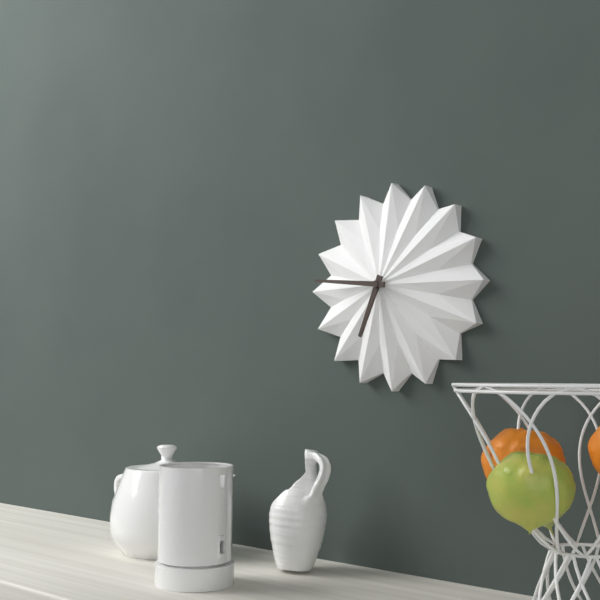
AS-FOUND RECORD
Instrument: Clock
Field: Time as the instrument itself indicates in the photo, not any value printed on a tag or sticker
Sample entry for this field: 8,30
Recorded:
6,46
